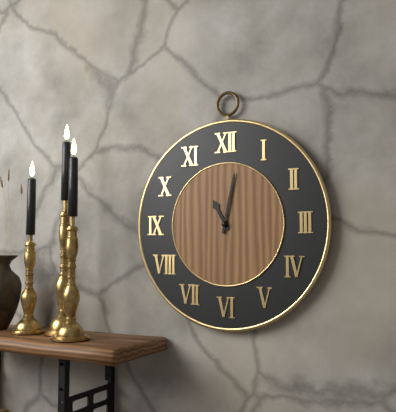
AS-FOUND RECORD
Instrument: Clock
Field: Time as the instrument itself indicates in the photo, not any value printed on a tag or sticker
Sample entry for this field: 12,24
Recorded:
11,02
